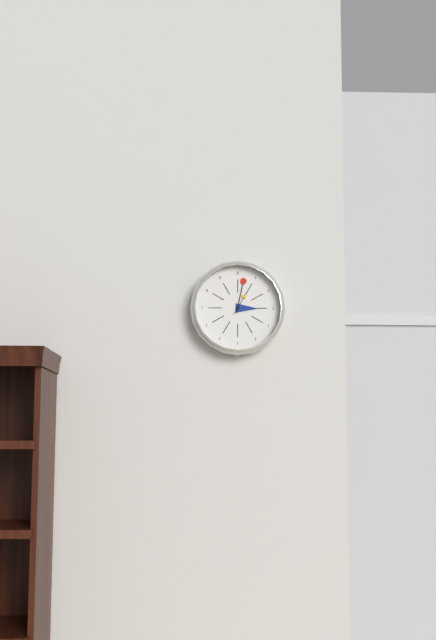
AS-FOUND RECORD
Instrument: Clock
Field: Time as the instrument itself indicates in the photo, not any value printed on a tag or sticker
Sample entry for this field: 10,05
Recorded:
3,02
